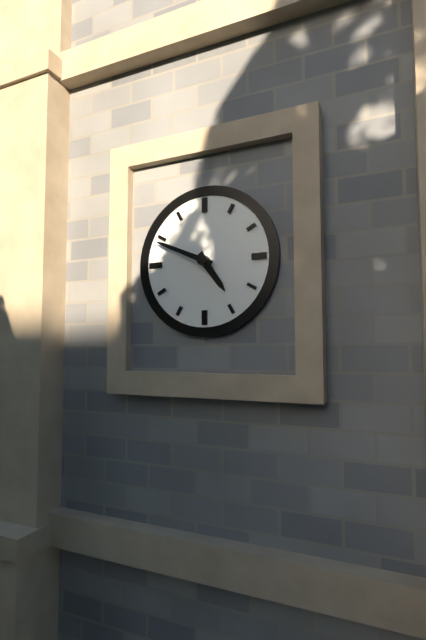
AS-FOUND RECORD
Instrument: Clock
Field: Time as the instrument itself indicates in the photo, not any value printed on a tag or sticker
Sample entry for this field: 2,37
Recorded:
4,49
